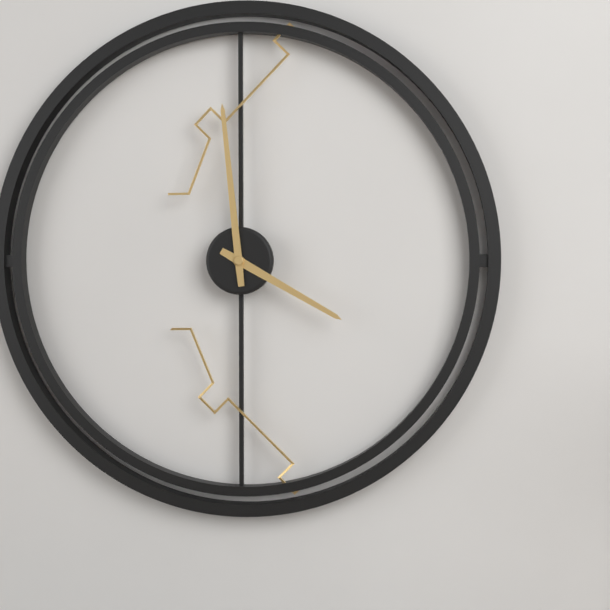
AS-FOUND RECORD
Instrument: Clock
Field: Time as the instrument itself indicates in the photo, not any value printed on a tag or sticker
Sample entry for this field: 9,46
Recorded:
3,59
